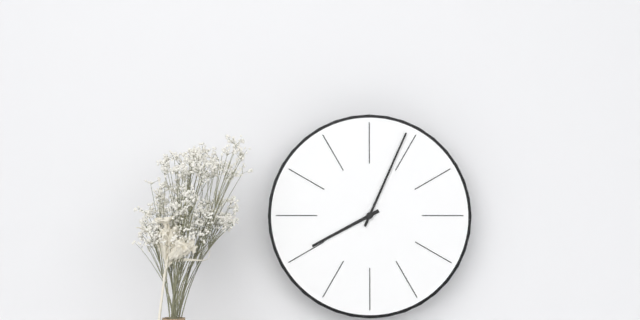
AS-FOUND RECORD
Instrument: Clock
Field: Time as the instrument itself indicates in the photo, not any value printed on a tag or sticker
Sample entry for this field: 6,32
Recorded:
8,04
